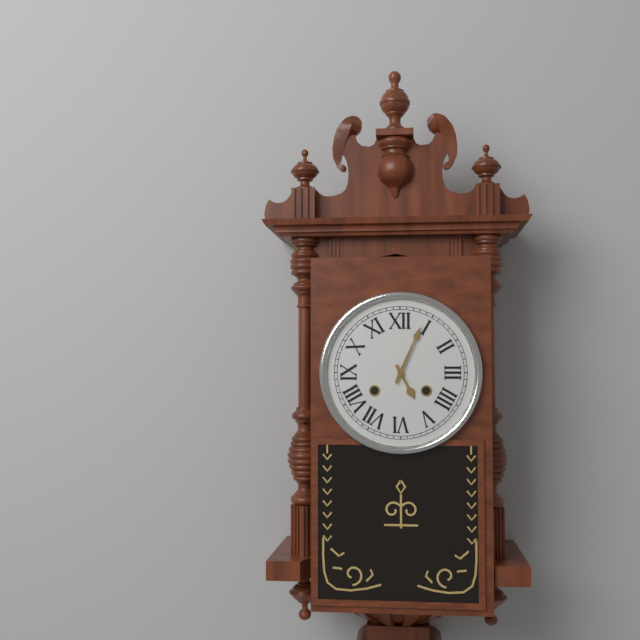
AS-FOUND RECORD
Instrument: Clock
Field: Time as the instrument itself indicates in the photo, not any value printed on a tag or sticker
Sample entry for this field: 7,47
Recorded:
5,04
